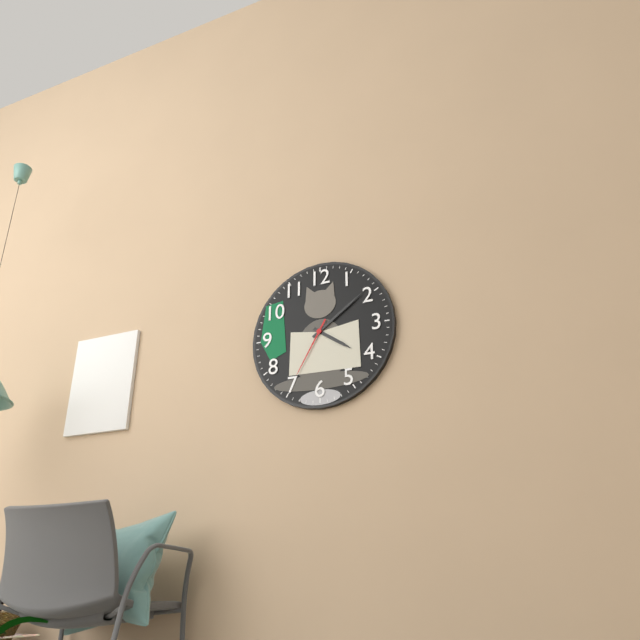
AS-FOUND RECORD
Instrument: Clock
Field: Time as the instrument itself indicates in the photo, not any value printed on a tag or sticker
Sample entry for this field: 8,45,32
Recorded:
4,09,35
